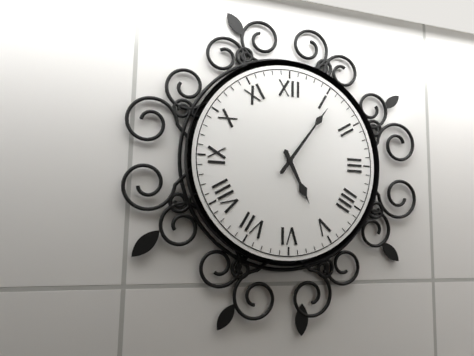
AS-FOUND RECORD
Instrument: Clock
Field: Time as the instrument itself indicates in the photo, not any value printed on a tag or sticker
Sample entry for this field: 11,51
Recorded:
5,06
